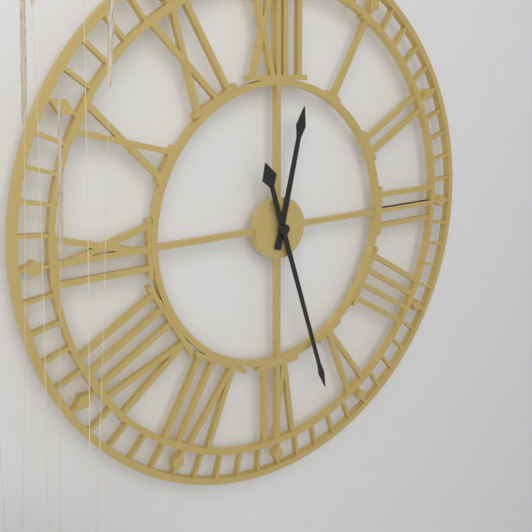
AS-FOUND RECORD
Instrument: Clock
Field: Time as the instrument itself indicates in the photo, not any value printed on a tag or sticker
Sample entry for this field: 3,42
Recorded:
12,27
